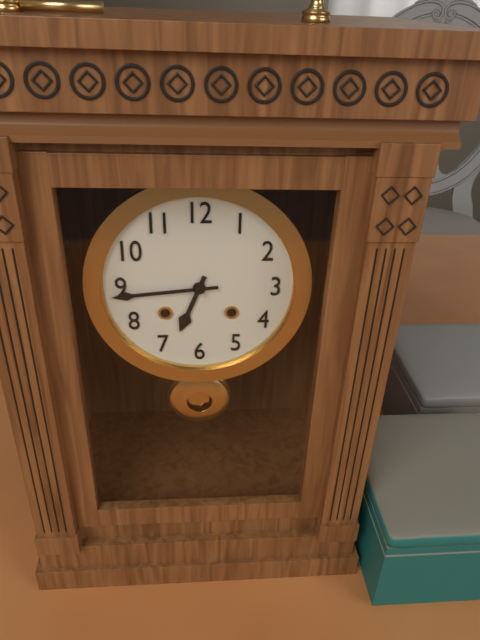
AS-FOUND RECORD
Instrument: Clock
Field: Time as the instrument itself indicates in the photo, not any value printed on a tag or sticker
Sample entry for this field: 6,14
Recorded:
6,44
